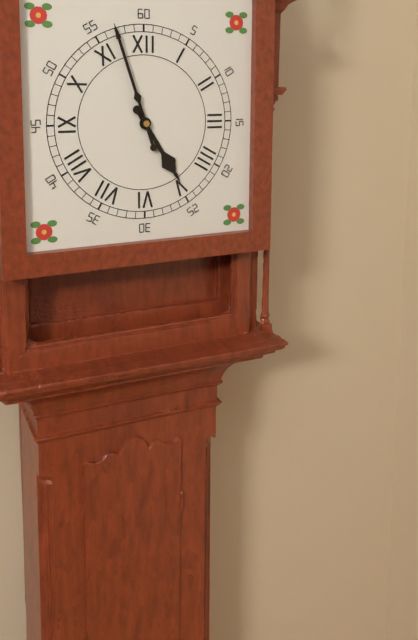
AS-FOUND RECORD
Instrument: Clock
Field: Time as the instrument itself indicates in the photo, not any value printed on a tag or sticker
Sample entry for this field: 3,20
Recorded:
4,57
